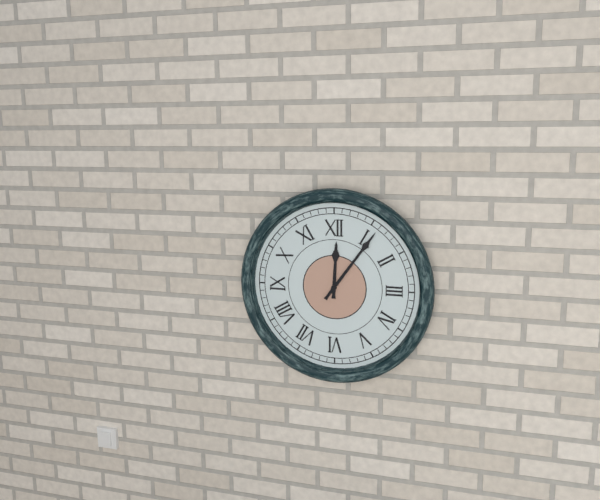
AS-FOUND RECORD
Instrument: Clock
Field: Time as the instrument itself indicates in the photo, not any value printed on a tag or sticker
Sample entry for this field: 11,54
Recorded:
12,06
